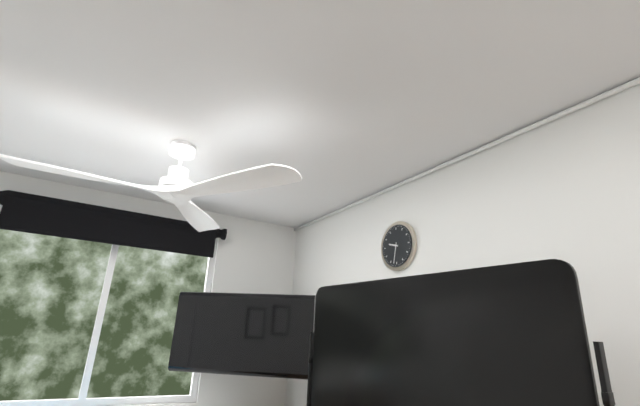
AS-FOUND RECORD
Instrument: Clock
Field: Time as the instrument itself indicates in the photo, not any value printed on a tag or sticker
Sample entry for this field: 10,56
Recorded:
9,32
